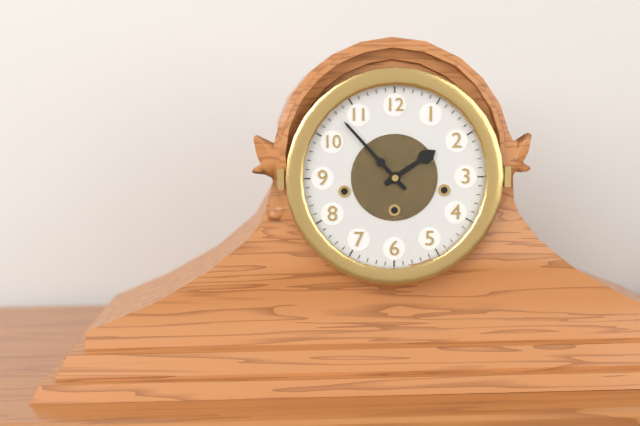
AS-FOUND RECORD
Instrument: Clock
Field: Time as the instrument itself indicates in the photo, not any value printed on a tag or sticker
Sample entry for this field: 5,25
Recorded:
1,53
